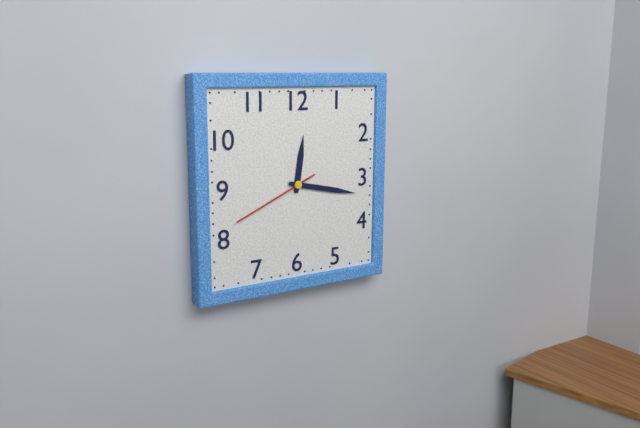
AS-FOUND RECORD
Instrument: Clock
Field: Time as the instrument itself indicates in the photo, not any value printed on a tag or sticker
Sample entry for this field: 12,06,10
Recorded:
12,17,41
